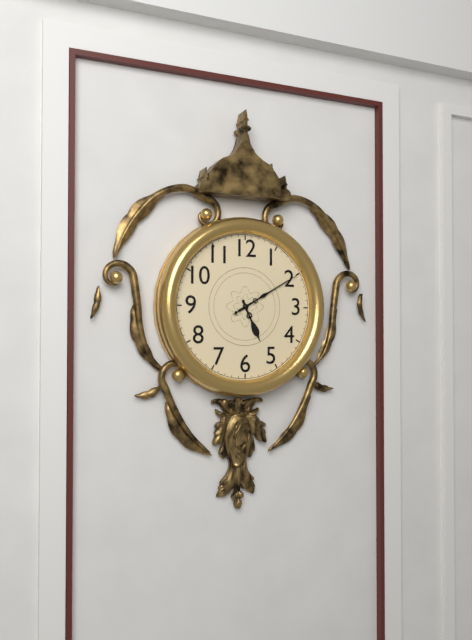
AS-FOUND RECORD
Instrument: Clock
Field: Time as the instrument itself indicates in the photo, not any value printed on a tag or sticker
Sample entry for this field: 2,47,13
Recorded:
5,10,10
